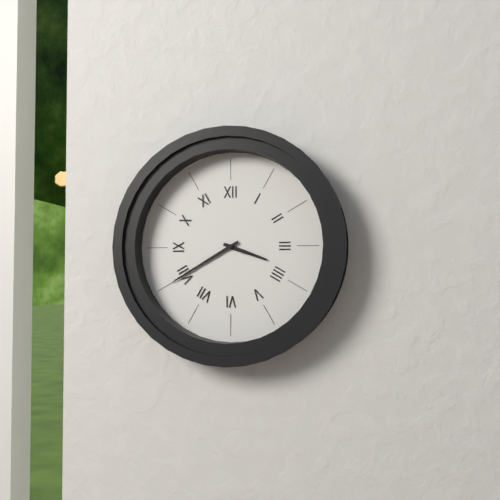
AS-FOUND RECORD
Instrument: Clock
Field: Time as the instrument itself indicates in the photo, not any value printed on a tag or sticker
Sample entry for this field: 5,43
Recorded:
3,40
